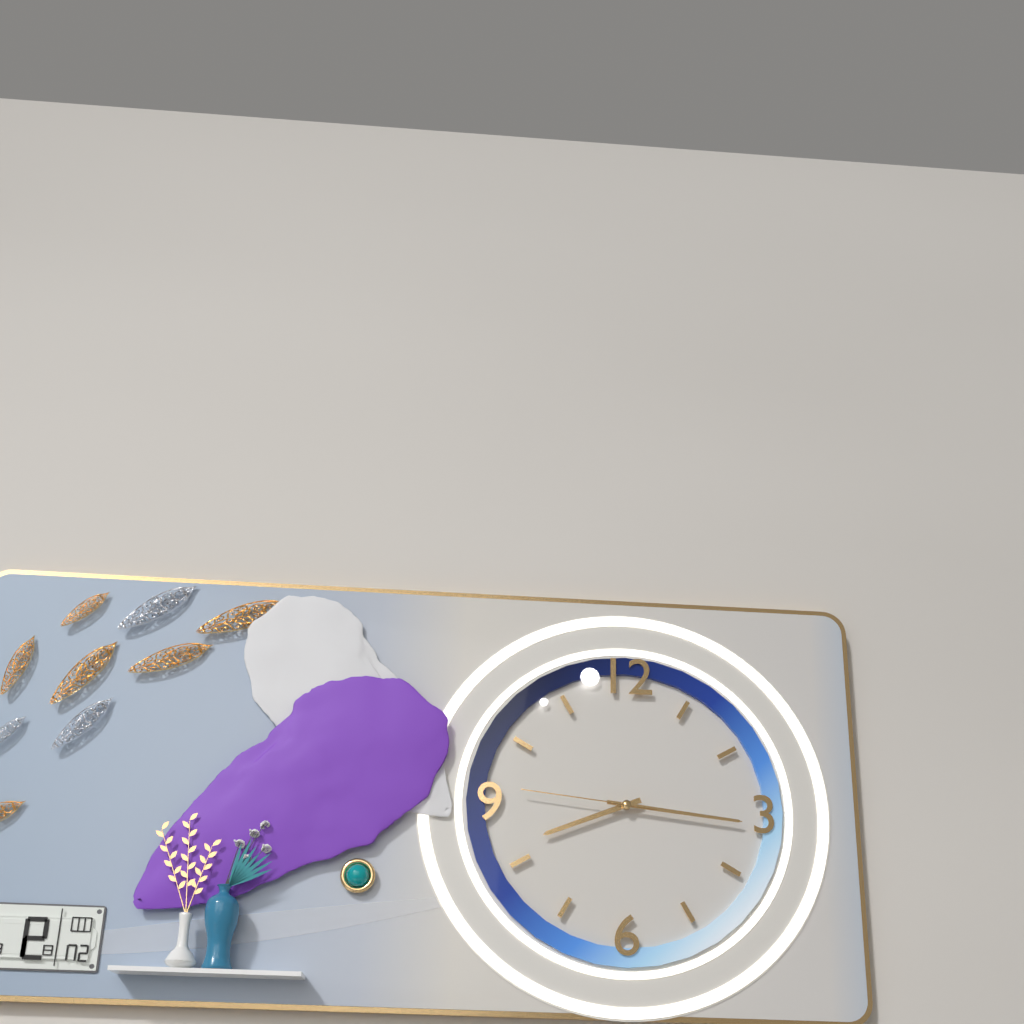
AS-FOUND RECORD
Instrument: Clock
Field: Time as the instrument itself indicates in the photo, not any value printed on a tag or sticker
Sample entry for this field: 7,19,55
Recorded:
8,16,46
